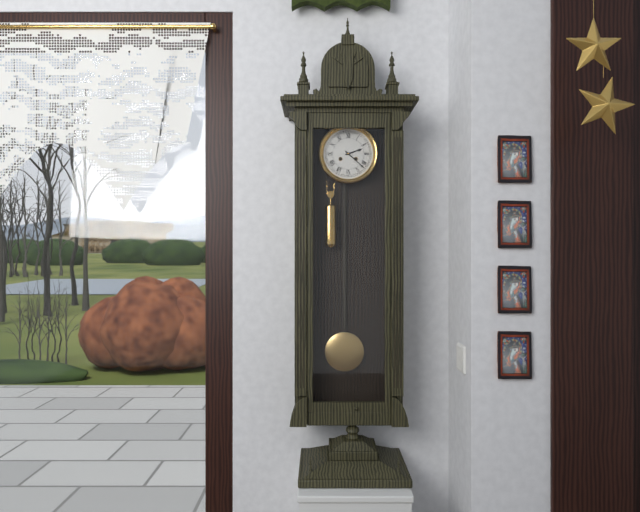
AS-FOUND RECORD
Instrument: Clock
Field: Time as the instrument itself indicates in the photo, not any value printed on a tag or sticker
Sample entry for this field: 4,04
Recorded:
2,22
